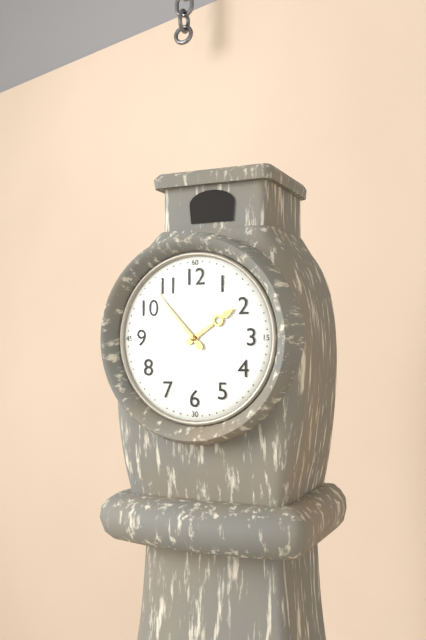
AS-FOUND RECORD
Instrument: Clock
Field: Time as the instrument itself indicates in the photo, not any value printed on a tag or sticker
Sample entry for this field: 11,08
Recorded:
1,53
